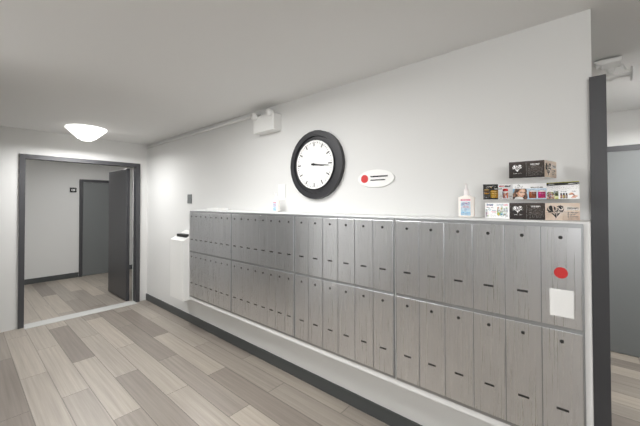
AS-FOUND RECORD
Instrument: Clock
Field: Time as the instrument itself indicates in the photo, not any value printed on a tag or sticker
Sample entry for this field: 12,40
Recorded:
3,16
